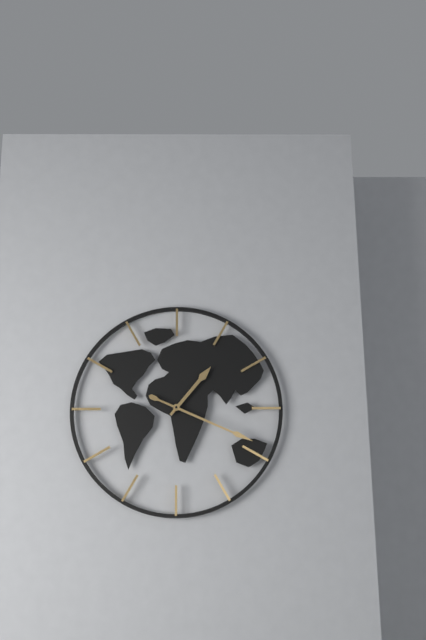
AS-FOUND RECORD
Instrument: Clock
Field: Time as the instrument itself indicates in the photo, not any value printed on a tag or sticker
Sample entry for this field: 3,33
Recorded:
1,19
